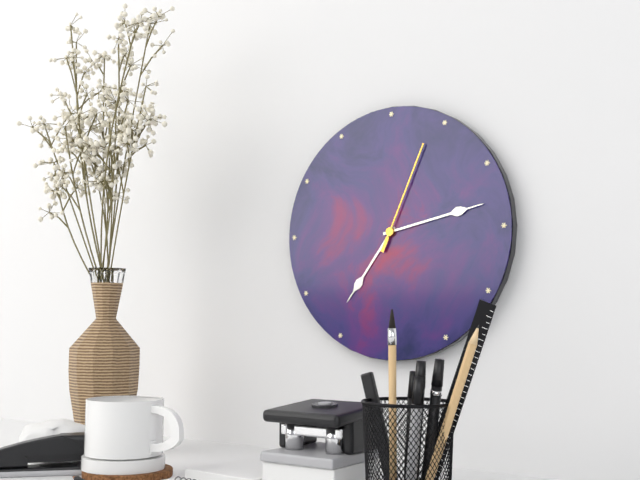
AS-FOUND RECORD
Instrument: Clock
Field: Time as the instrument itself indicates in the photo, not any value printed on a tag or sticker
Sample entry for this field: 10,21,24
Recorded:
7,13,04
